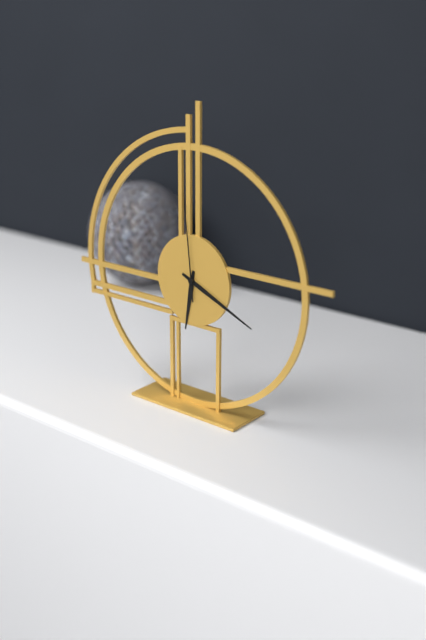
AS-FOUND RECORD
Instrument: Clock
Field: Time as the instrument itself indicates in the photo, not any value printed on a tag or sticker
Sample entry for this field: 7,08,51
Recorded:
6,19,59
